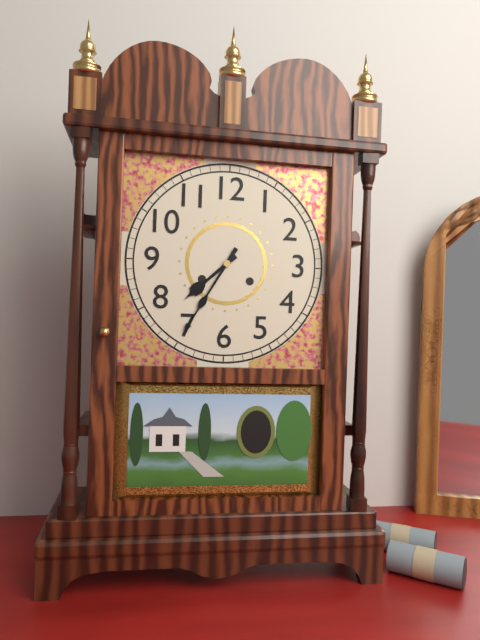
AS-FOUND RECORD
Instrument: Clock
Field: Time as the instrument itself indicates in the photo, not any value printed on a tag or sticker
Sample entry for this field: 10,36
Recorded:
7,35
